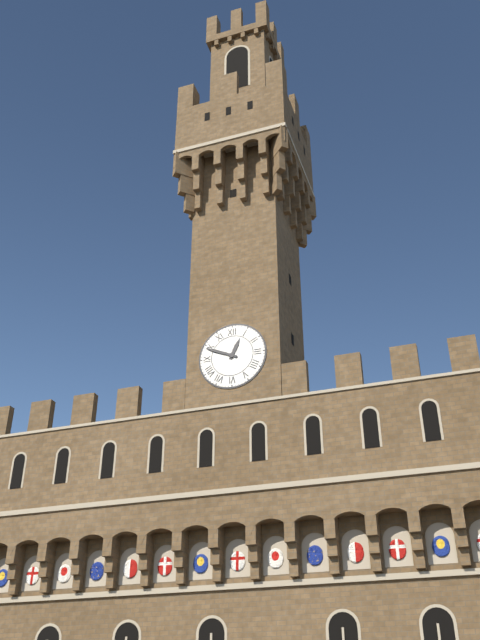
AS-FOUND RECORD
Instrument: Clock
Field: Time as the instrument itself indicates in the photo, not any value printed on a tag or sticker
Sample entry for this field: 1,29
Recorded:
12,49
